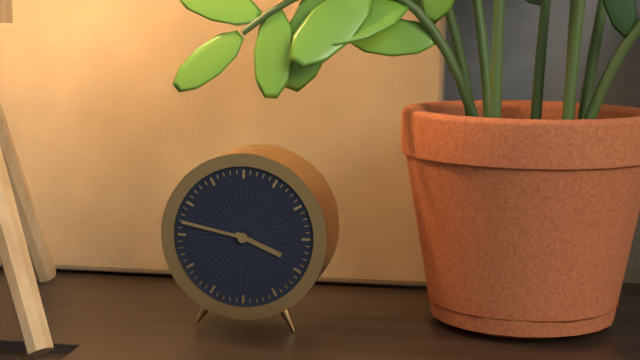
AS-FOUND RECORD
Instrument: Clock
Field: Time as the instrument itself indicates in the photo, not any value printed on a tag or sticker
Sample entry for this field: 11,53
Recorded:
3,47
